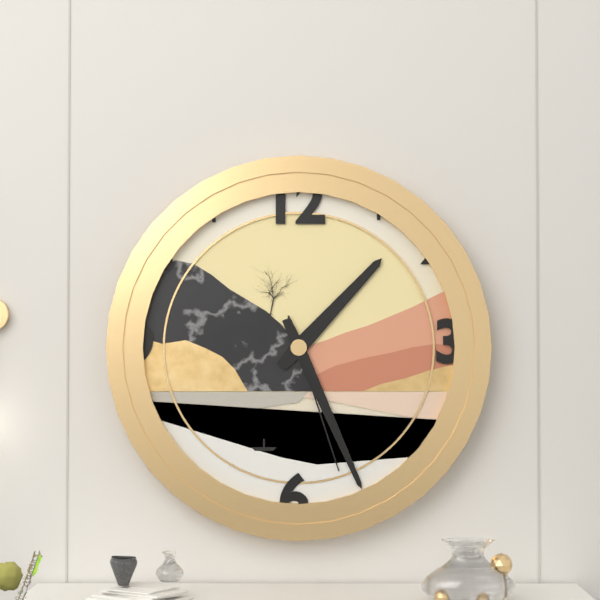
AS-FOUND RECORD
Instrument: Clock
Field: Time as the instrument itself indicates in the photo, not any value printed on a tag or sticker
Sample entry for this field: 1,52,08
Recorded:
1,26,27
